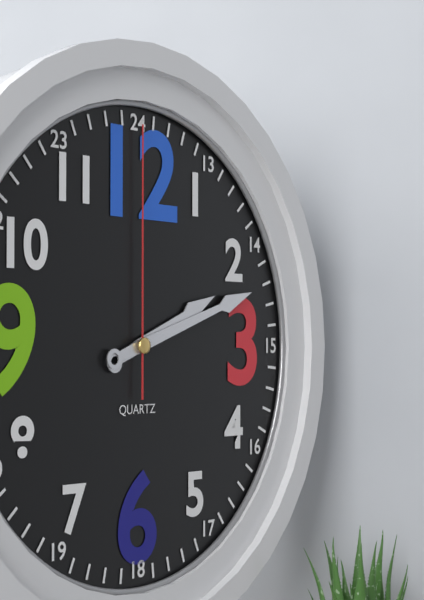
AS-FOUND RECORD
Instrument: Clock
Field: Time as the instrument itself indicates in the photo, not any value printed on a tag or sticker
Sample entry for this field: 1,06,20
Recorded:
2,12,00
